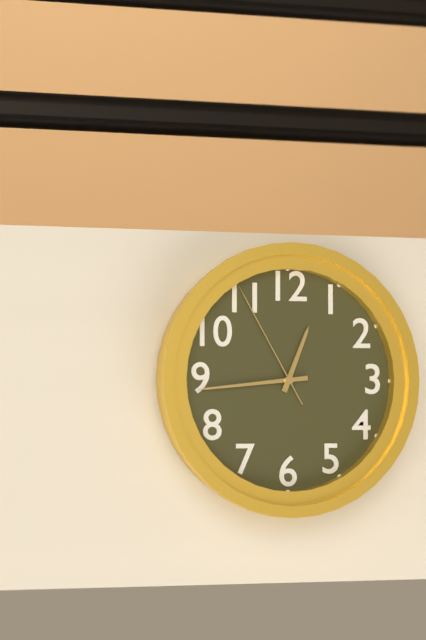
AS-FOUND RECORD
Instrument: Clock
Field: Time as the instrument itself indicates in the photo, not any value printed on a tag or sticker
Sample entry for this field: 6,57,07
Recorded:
12,44,55
